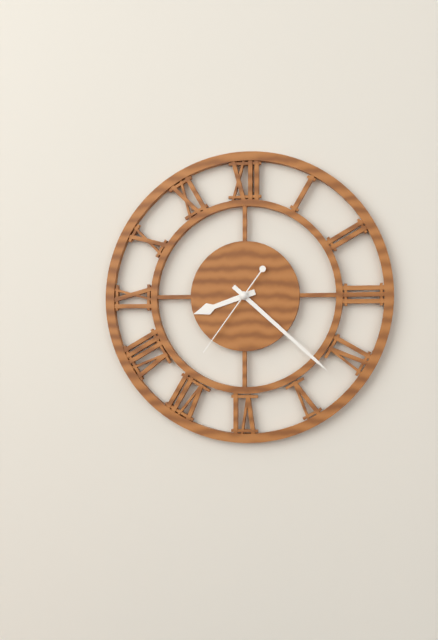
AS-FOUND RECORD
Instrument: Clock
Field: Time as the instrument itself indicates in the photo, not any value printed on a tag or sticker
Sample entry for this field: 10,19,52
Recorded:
8,22,36
